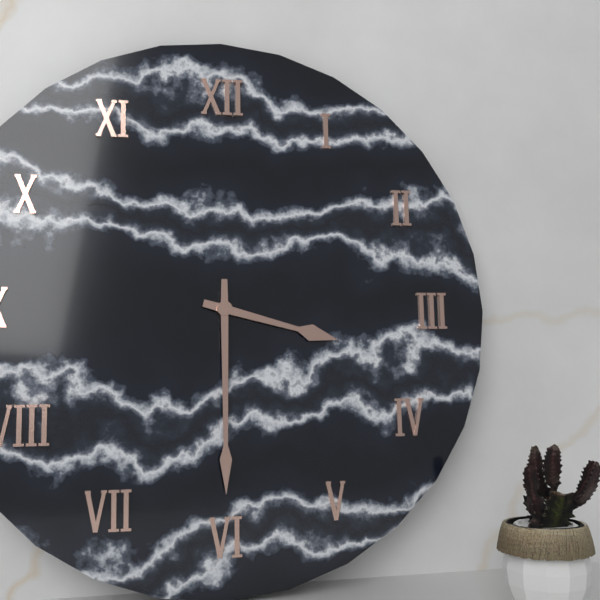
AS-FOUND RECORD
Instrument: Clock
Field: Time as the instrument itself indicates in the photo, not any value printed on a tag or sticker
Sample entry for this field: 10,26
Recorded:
3,30
